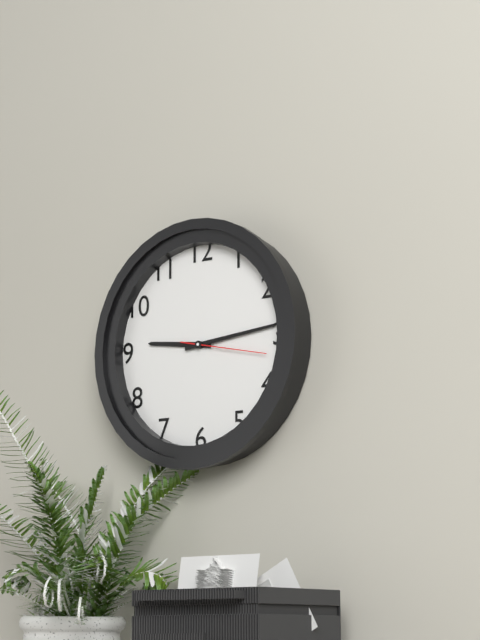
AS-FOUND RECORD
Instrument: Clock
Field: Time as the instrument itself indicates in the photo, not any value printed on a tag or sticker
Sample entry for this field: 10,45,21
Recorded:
9,14,17
